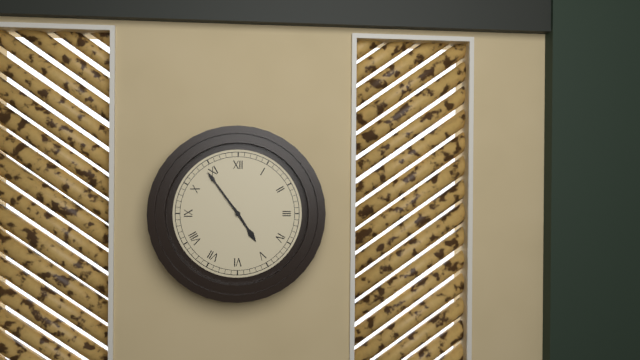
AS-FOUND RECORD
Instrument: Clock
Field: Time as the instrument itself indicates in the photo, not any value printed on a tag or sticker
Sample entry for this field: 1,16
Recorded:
4,54
